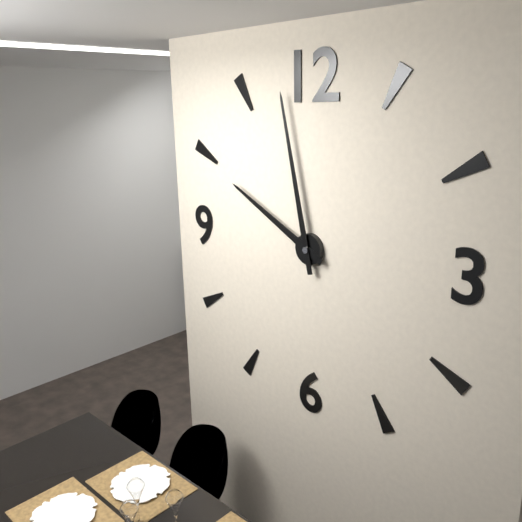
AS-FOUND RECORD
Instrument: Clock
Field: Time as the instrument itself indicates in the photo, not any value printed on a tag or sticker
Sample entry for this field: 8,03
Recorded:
9,58
